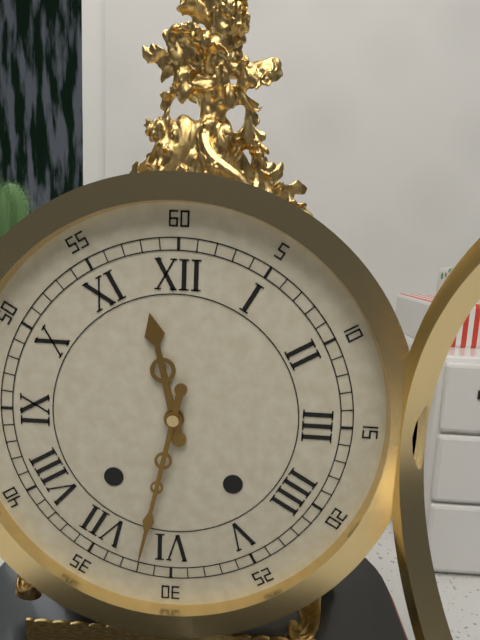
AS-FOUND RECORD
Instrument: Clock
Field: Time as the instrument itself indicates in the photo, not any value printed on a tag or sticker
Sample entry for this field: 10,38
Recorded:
11,32
